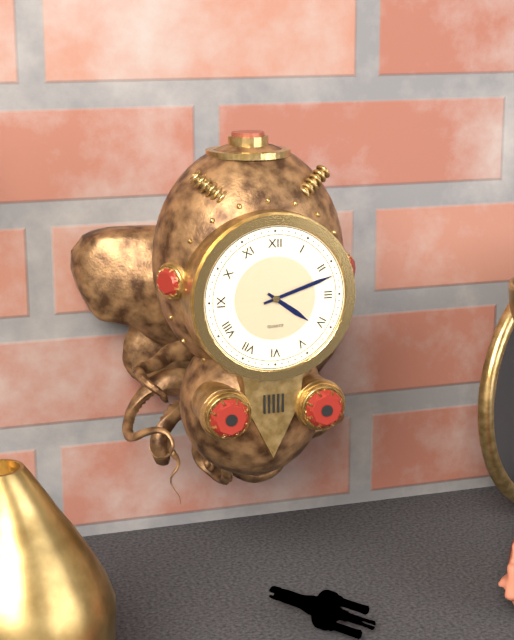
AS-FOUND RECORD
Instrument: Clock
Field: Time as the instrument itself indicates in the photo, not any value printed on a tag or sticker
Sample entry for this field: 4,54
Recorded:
4,12
